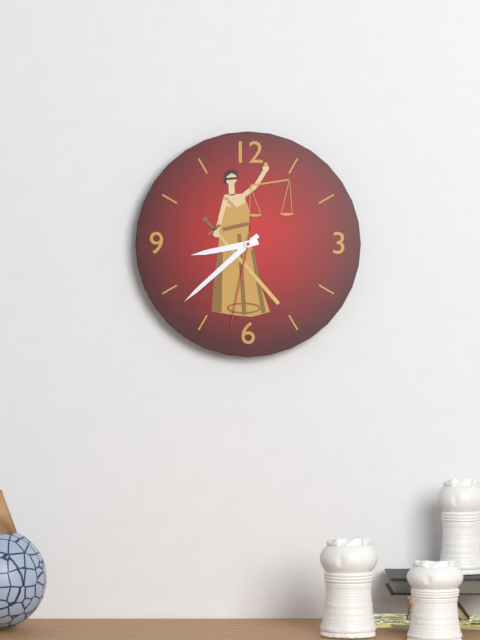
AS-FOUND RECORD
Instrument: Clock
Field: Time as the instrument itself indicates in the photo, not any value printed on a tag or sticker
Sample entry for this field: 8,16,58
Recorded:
8,38,32
